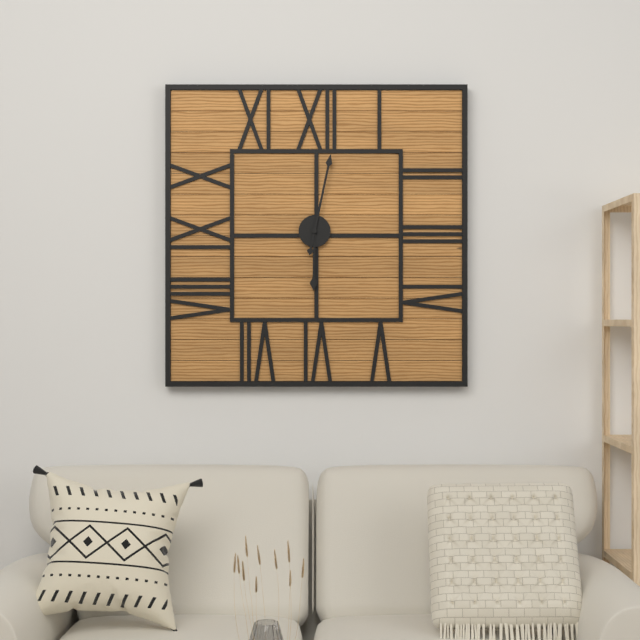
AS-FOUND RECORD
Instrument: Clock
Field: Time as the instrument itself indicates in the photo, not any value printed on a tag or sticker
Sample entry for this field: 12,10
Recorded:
6,02
